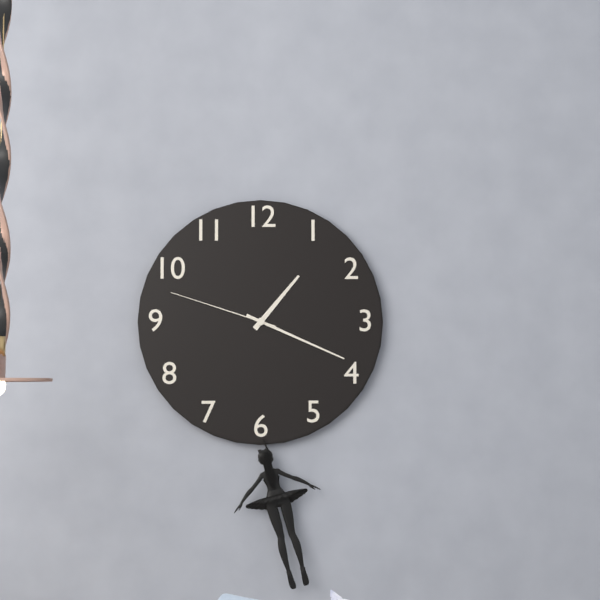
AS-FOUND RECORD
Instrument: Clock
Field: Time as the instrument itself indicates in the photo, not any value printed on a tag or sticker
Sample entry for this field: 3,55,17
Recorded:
1,19,48
